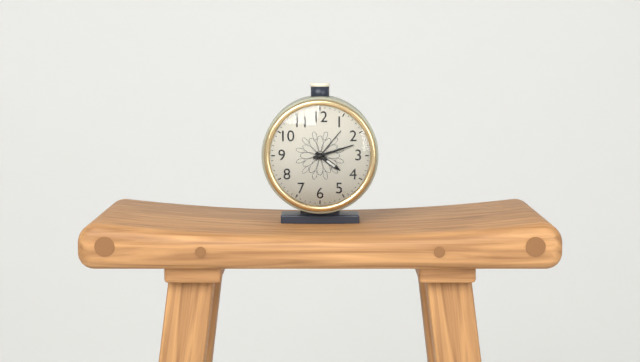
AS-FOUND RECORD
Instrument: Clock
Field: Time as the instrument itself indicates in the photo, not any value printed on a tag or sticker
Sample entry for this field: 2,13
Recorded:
4,12
